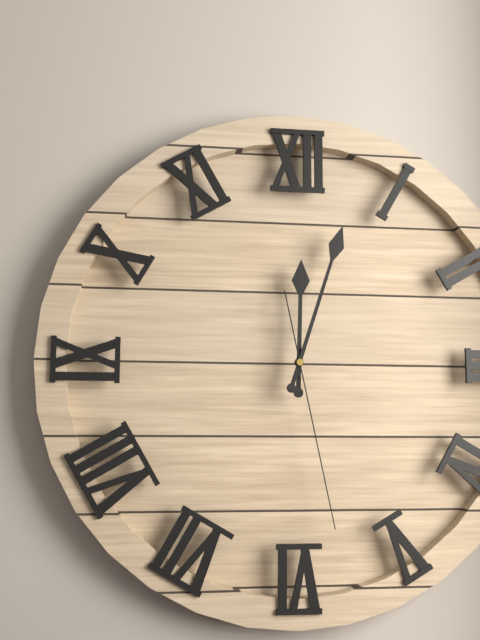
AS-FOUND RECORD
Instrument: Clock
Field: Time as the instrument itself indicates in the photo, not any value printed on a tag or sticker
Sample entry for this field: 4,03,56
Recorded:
12,03,28
